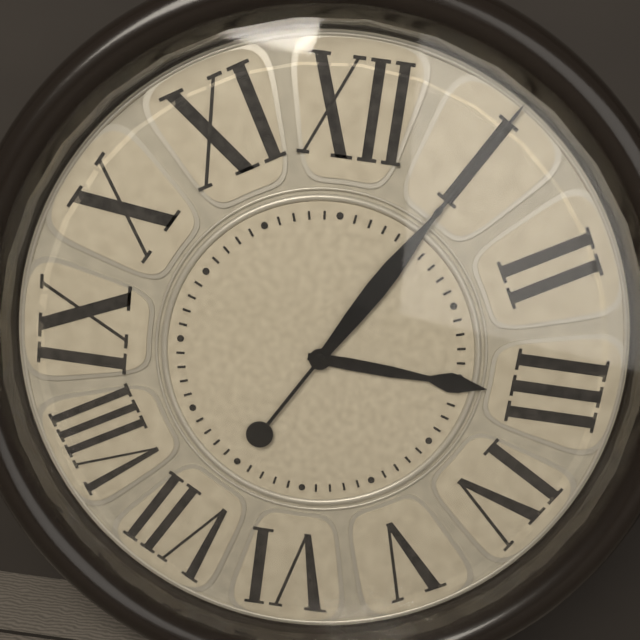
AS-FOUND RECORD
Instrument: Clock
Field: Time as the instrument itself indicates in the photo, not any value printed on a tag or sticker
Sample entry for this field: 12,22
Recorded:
3,05
